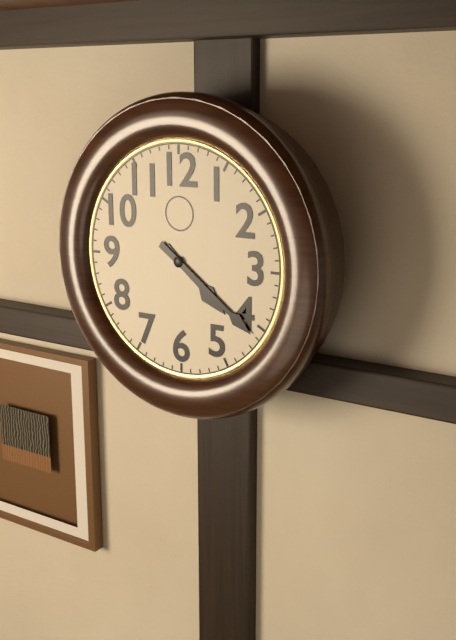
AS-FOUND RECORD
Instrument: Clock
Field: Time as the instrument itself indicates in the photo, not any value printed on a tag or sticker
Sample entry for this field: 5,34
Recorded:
4,21
